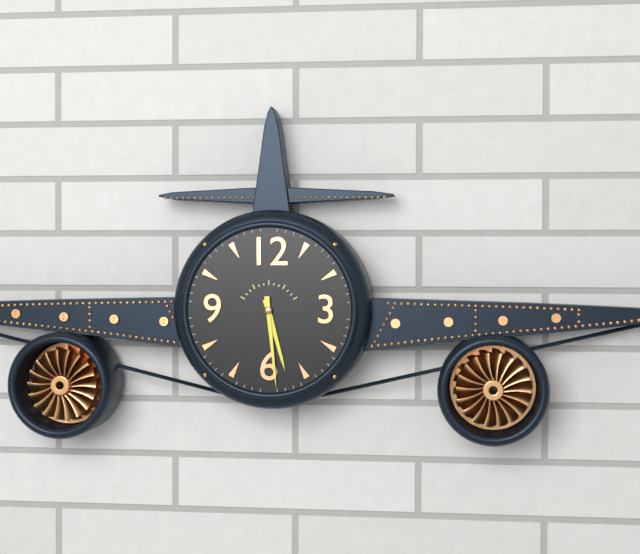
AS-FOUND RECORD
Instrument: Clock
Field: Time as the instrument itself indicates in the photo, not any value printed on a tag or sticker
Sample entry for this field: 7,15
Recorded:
5,29
